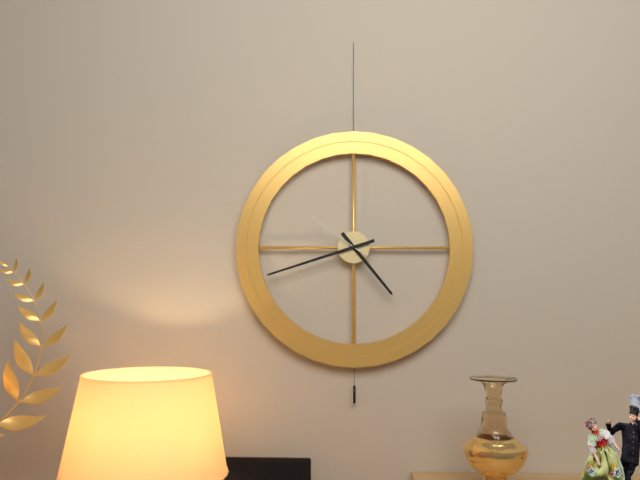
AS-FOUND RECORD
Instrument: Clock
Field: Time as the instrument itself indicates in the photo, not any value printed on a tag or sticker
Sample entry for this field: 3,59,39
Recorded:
4,42,51
